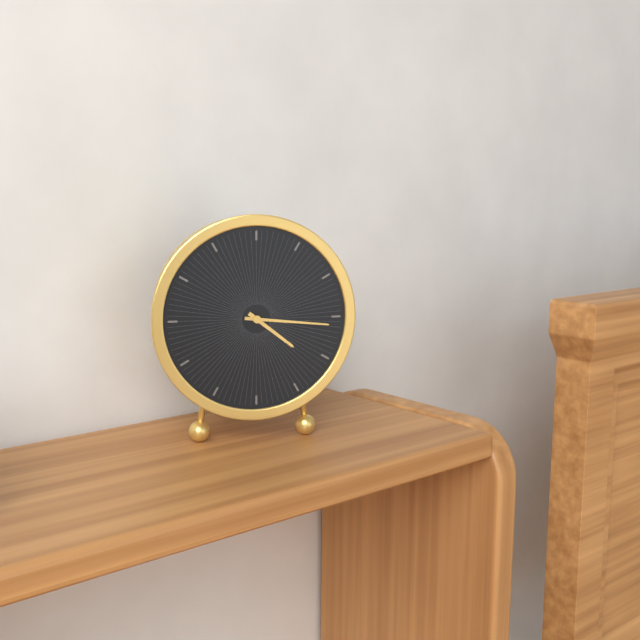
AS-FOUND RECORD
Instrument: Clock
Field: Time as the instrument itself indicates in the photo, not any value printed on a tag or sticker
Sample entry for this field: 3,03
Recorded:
4,16
